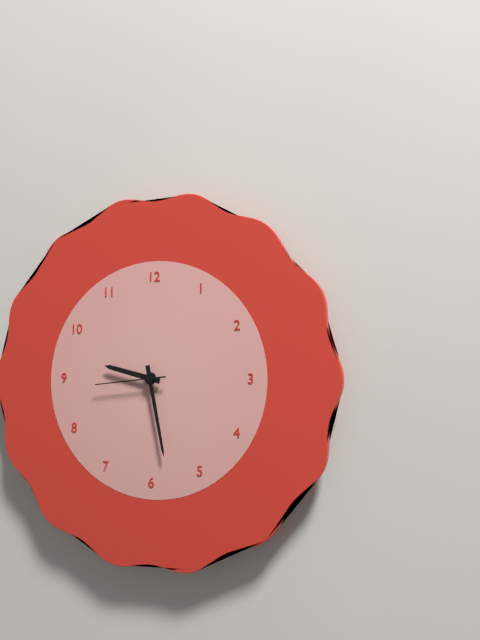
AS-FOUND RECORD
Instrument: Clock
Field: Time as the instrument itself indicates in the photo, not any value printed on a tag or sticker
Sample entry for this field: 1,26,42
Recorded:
9,28,44
